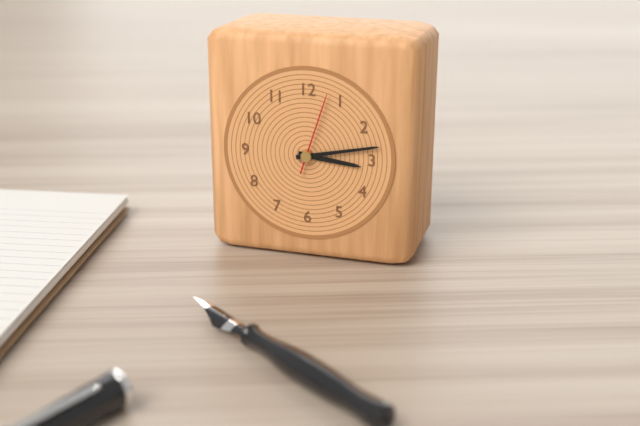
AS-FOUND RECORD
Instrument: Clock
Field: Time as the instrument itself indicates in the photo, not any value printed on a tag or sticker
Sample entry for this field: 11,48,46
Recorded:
3,13,03
